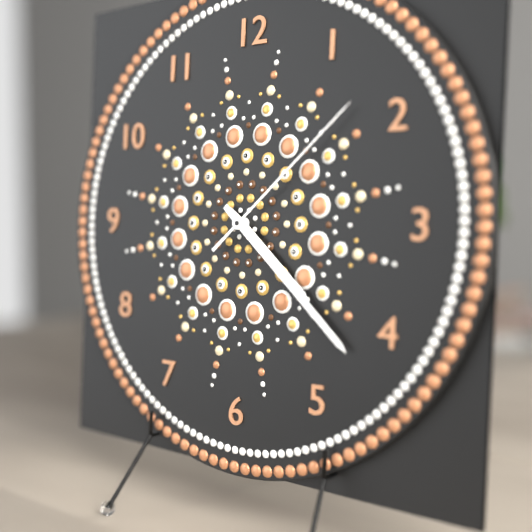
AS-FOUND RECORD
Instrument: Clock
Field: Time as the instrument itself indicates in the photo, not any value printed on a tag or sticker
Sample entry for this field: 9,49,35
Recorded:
4,22,08
